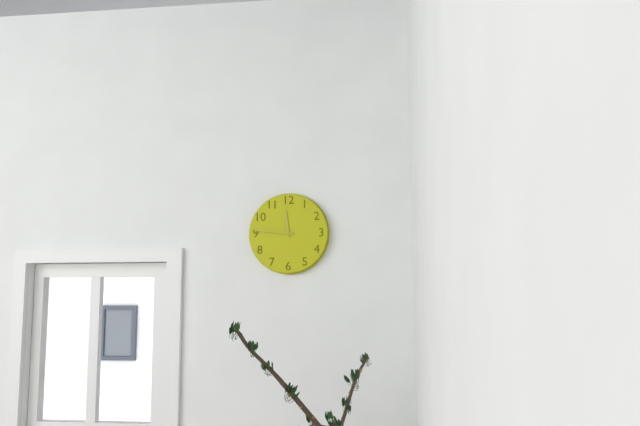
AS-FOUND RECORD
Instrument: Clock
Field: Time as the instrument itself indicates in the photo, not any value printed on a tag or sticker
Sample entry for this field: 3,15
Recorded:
11,46
